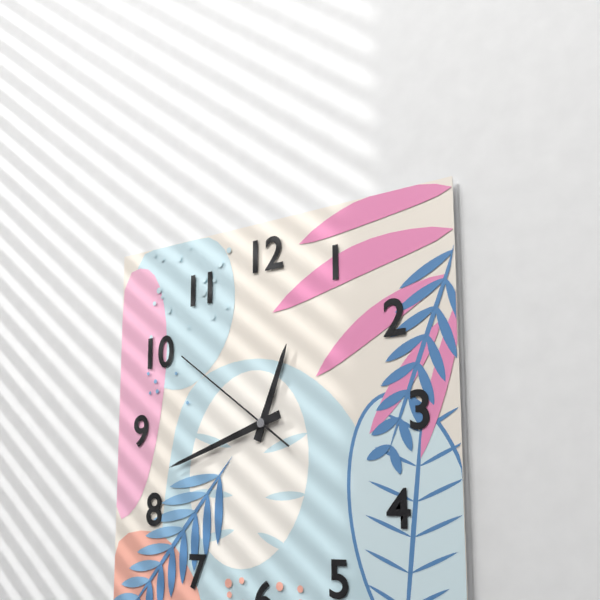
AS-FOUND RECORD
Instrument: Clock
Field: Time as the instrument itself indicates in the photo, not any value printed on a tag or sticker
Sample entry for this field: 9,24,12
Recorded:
12,42,51
